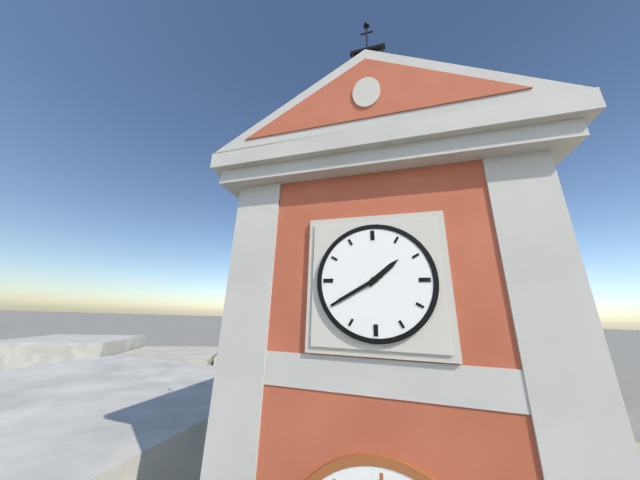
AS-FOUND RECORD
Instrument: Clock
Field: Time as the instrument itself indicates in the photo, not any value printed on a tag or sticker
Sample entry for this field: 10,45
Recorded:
1,40
